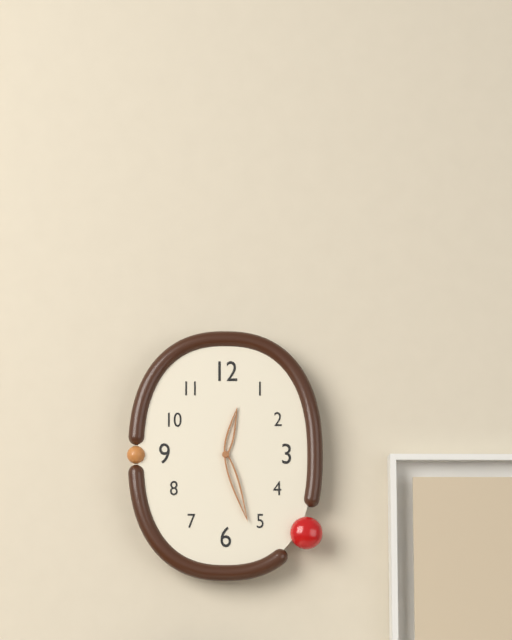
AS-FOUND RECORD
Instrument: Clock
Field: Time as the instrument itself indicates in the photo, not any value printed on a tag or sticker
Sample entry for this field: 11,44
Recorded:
12,27
